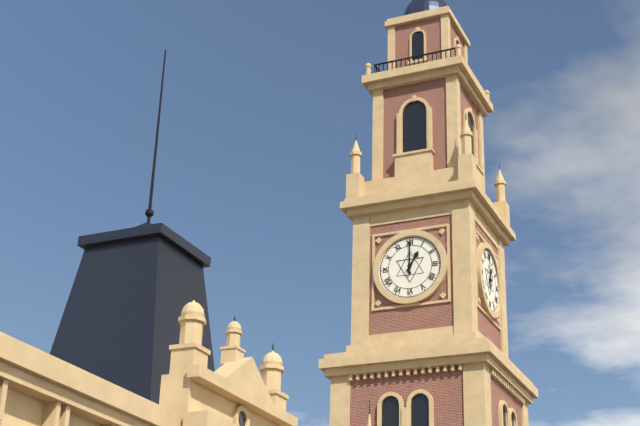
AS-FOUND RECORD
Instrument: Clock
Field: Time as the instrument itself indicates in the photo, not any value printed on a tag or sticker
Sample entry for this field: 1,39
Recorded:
1,00
